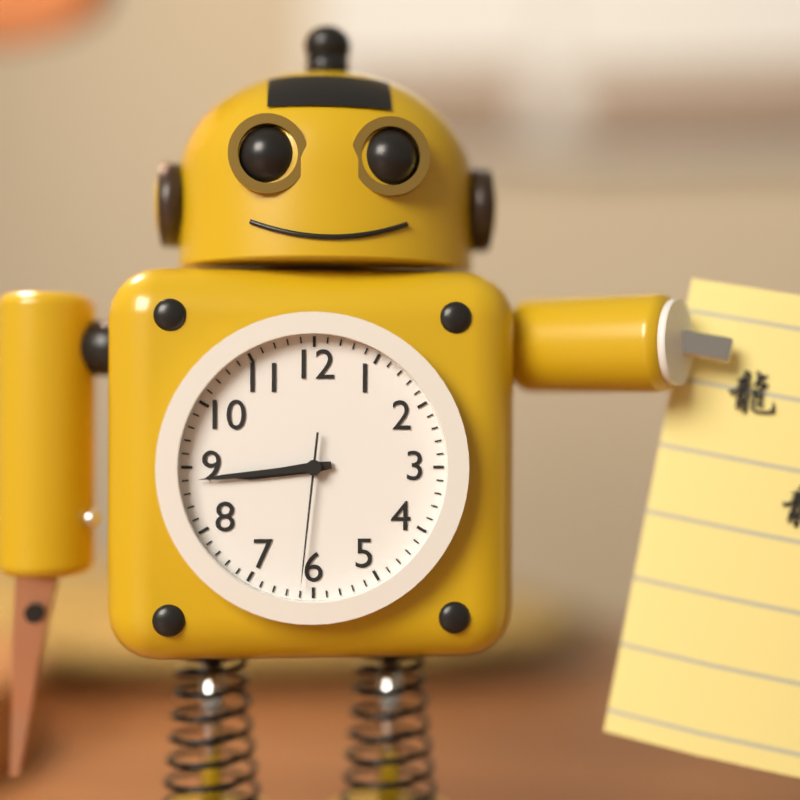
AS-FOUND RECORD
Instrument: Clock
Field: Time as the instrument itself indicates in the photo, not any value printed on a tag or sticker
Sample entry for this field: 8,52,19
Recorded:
8,44,31
